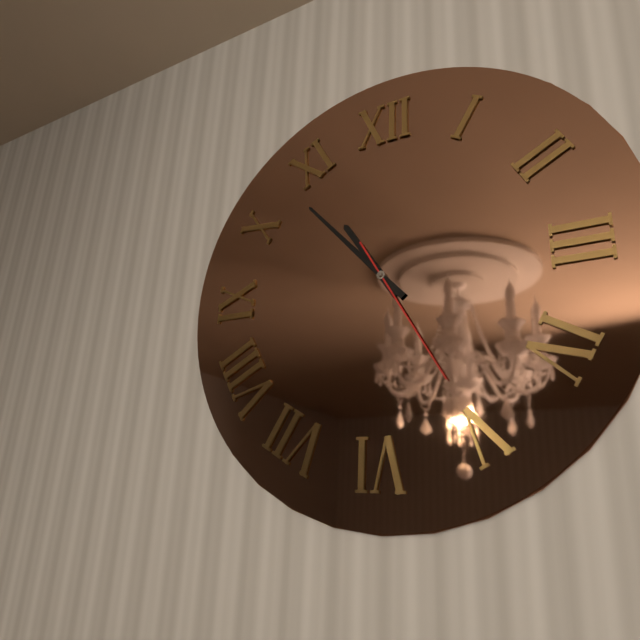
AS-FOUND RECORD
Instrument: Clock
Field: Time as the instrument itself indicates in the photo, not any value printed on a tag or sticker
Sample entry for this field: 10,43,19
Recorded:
10,53,25
